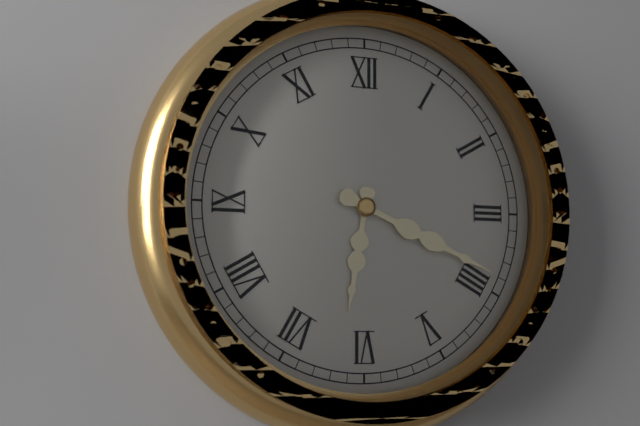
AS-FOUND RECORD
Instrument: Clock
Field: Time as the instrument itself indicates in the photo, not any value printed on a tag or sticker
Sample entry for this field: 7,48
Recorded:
6,19
